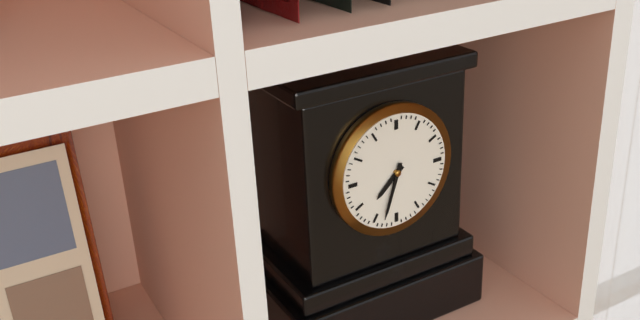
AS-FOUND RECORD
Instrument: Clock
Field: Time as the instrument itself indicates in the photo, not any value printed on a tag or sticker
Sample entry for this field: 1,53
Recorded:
7,33
